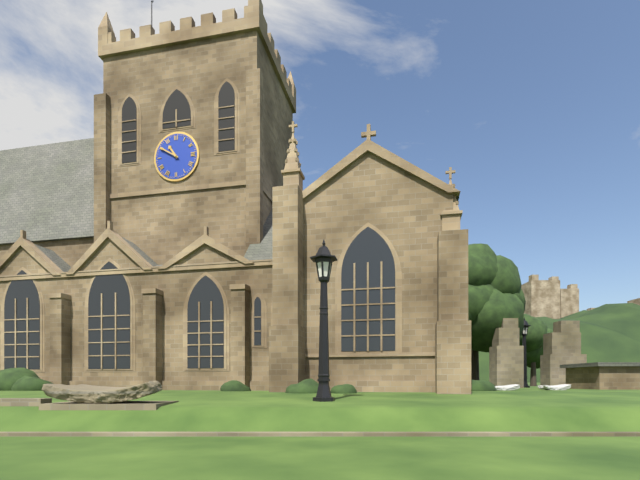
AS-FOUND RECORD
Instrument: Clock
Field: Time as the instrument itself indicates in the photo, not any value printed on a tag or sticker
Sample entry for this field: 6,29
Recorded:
10,50
